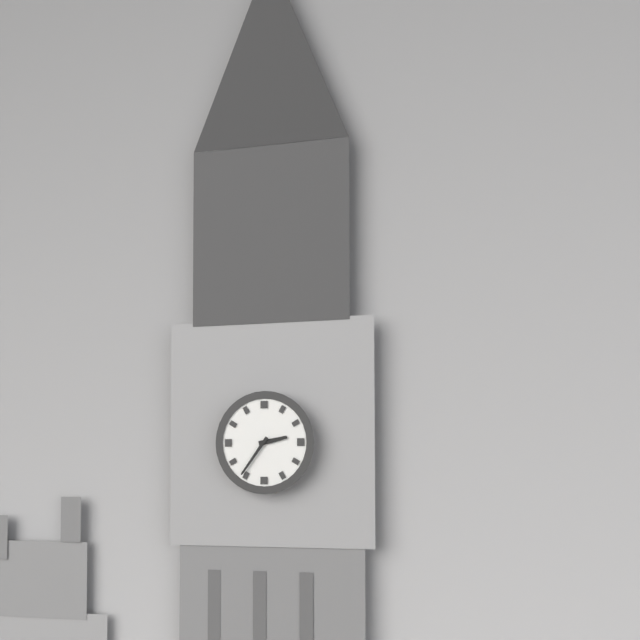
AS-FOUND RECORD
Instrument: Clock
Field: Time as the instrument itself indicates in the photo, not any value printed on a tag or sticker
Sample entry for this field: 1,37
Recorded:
2,36
